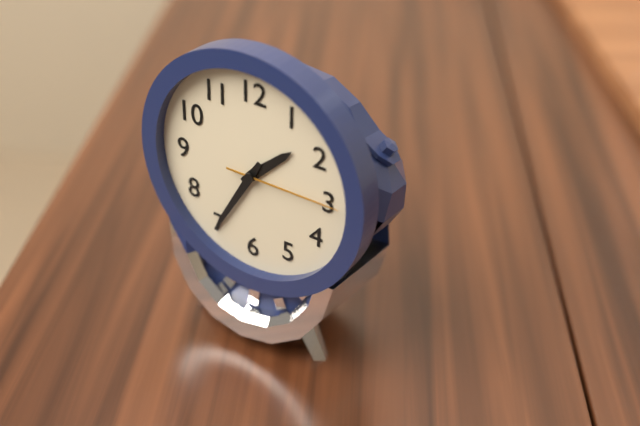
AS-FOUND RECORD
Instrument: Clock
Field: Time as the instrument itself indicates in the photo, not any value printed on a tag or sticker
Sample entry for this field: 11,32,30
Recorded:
1,35,15
